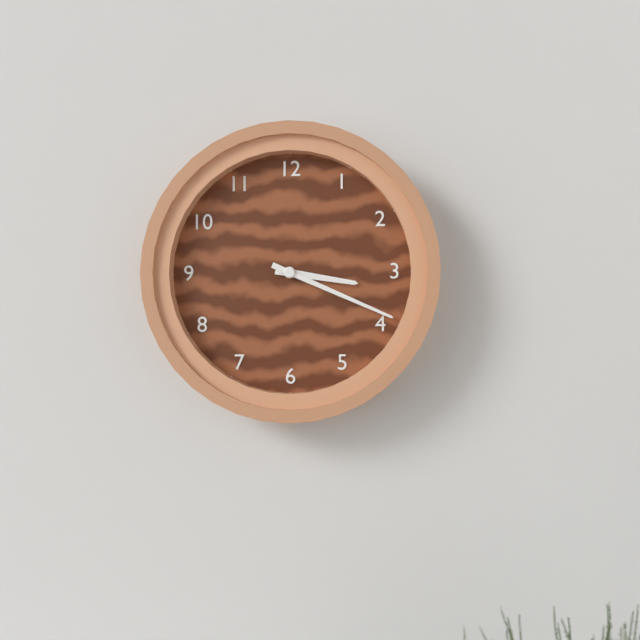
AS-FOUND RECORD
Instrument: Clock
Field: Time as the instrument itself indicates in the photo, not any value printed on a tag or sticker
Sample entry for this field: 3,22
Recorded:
3,19
